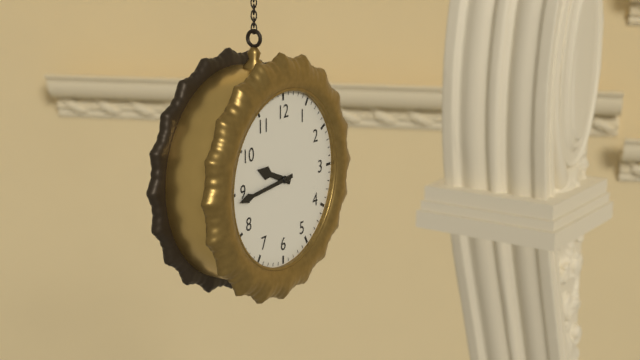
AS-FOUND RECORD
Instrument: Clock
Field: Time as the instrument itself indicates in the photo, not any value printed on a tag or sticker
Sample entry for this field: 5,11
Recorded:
9,44
